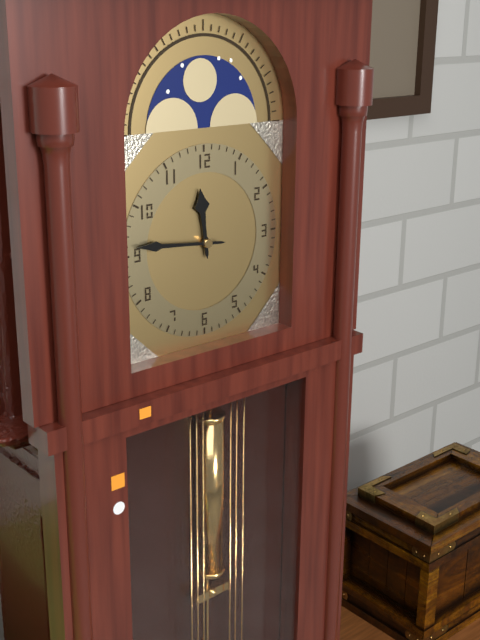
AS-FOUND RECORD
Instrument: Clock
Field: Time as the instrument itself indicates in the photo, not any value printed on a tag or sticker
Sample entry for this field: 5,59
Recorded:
11,46
